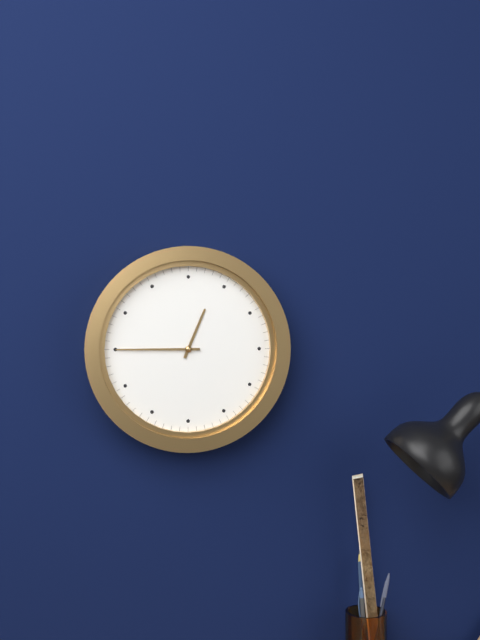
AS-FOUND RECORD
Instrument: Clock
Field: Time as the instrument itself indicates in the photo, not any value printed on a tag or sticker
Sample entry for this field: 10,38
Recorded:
12,45
